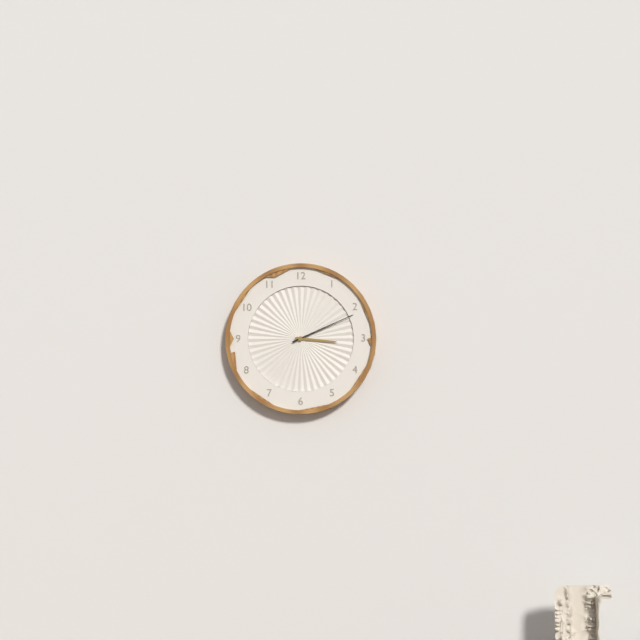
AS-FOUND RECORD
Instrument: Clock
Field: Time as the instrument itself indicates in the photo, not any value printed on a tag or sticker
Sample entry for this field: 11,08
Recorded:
3,11
